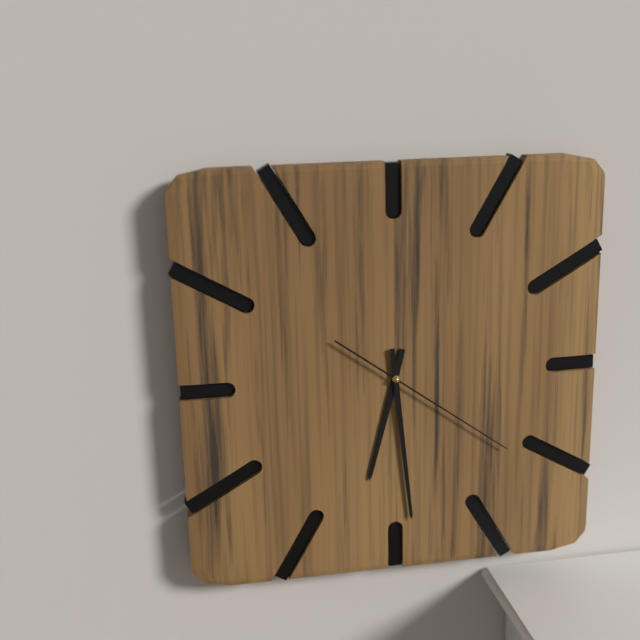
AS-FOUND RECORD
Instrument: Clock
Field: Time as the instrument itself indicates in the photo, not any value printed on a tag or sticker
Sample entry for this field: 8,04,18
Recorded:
6,29,21
